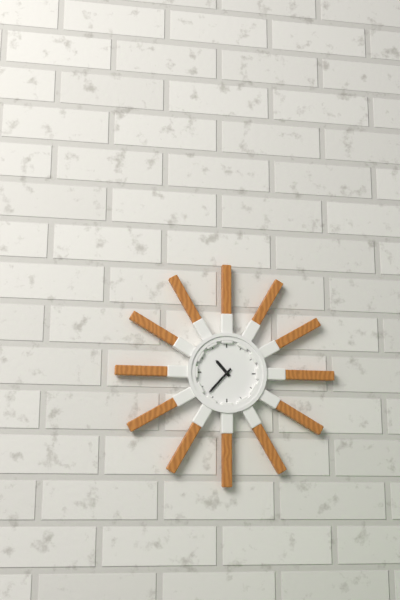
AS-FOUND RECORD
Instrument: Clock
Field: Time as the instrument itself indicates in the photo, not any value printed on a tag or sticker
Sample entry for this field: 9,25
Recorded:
10,37
